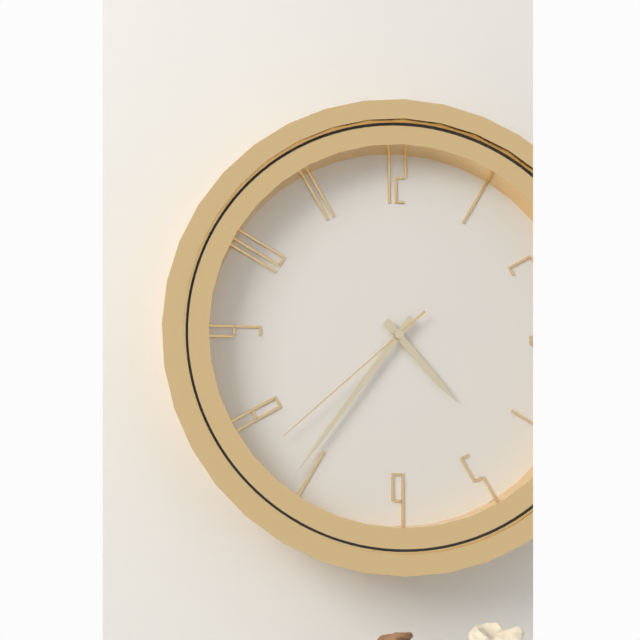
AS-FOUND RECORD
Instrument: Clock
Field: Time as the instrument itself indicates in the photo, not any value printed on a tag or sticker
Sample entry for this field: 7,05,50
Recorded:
4,36,38
